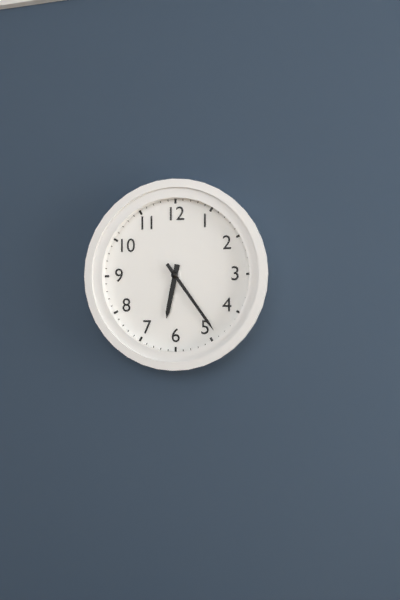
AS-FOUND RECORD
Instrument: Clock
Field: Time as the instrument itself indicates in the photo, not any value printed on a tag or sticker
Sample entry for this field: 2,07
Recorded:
6,24
